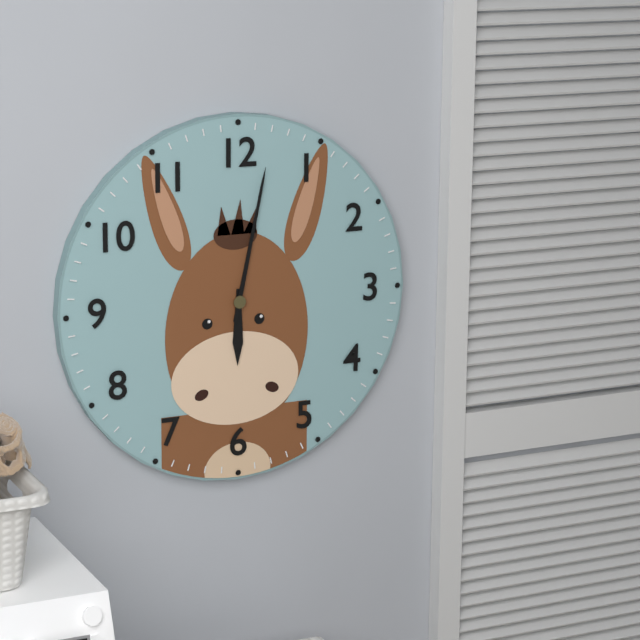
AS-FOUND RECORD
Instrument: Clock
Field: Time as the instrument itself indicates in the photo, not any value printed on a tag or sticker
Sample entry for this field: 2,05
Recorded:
6,02
